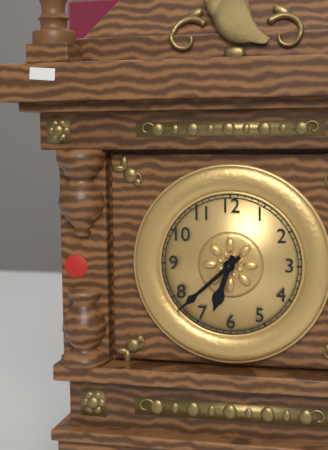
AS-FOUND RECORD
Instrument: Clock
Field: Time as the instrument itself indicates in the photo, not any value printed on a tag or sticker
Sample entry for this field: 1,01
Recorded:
6,38
